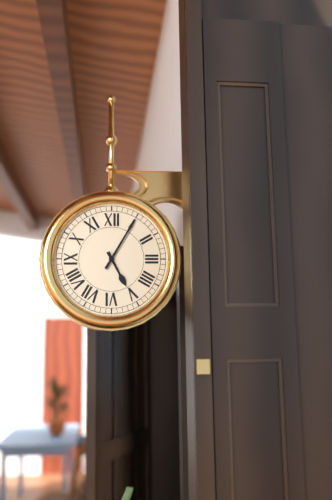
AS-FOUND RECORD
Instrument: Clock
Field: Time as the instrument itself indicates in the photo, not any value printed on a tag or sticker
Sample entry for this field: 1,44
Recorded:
5,05
